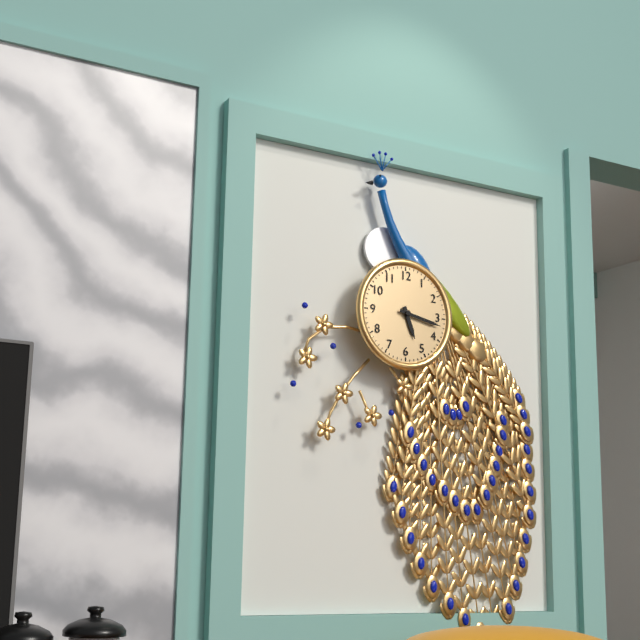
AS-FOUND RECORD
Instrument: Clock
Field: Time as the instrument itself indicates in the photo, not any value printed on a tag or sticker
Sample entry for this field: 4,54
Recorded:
5,17
